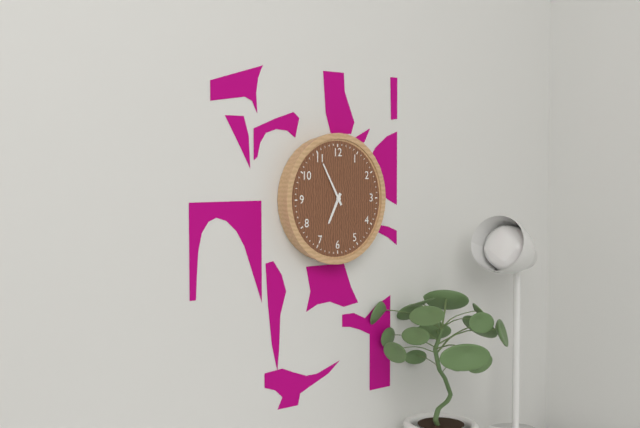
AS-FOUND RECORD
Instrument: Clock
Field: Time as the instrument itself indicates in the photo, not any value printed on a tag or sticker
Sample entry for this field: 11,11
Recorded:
6,55
